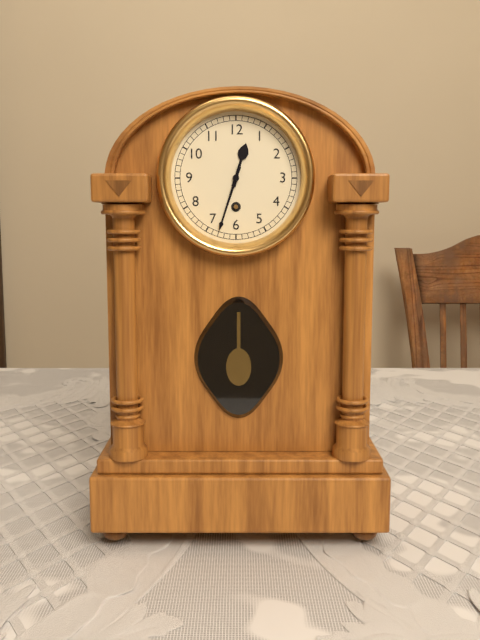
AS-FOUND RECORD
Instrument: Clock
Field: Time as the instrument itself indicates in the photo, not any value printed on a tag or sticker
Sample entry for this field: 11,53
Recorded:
12,33
